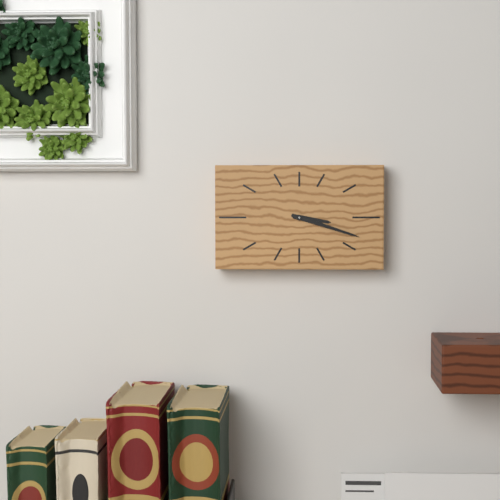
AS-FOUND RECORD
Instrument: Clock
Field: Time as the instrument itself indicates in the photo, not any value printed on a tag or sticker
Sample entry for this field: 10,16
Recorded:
3,18
